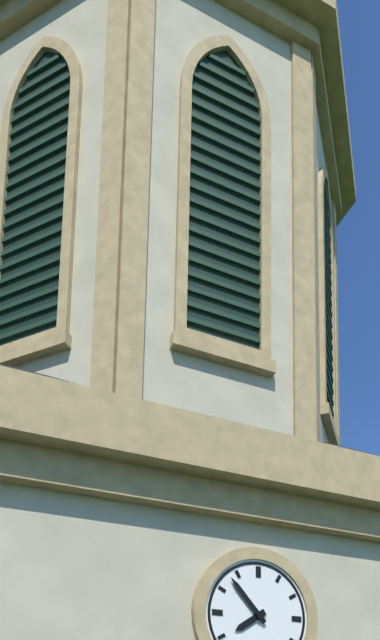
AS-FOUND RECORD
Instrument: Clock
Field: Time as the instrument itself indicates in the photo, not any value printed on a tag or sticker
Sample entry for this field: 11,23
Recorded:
7,53
